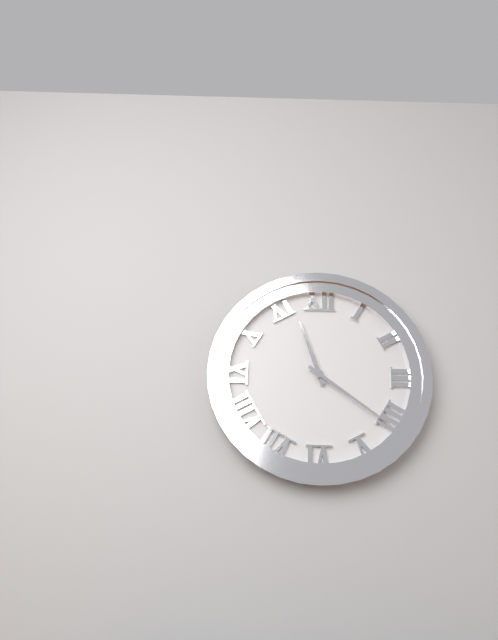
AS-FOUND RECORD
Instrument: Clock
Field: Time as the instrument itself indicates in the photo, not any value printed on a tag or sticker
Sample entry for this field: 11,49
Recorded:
11,21
